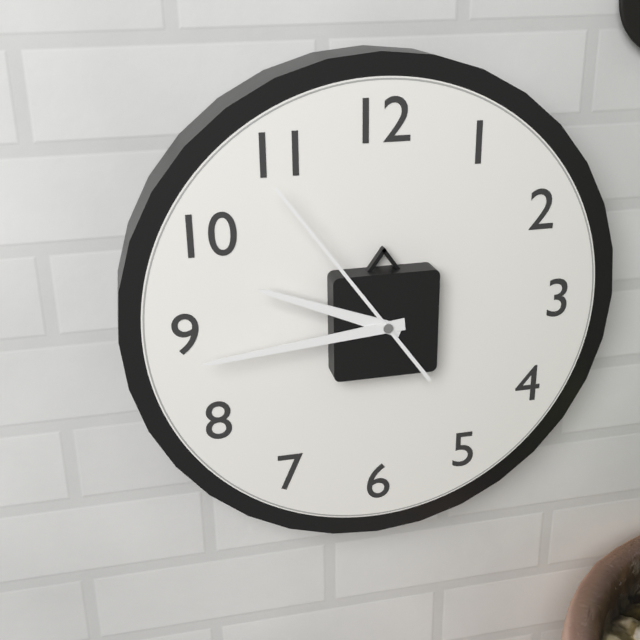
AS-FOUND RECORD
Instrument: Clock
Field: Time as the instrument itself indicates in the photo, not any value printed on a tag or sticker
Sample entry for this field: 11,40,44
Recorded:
9,44,54
